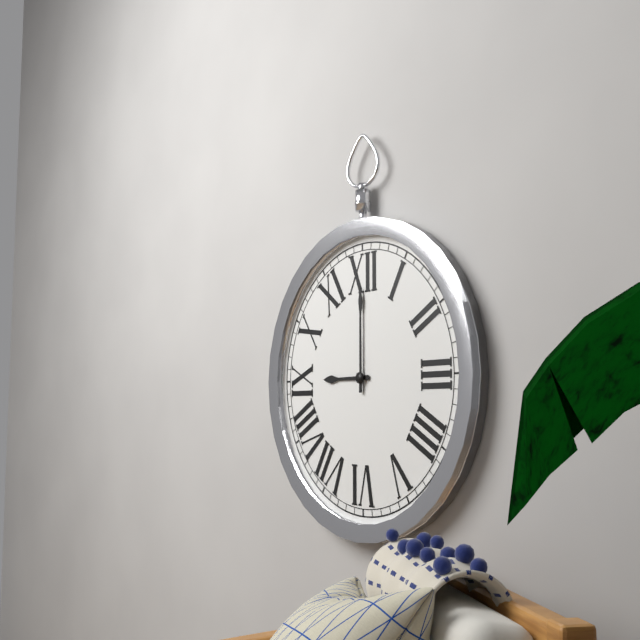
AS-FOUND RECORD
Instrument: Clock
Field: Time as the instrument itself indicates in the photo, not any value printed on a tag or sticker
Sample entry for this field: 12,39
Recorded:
9,00
